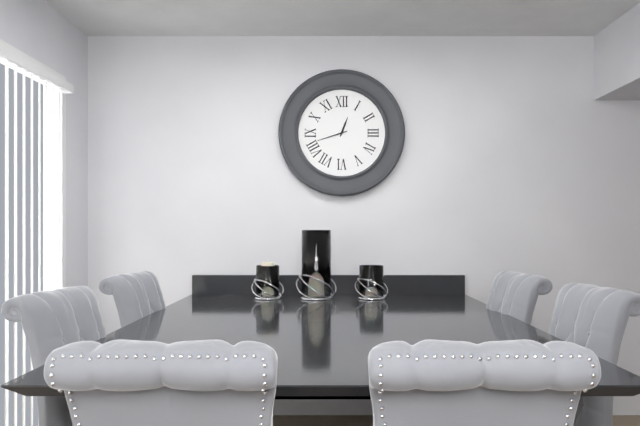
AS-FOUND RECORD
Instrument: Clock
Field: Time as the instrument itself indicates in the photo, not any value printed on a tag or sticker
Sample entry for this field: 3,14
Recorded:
12,42
